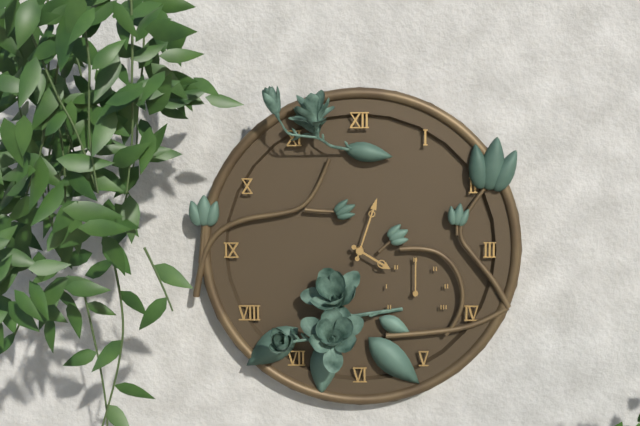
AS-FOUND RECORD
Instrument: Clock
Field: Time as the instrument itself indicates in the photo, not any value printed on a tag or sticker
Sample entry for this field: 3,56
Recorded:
4,03
